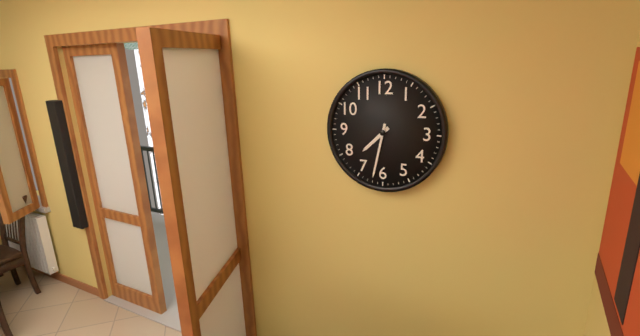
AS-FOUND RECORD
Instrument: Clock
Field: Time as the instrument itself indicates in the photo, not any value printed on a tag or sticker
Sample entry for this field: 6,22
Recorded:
7,32
